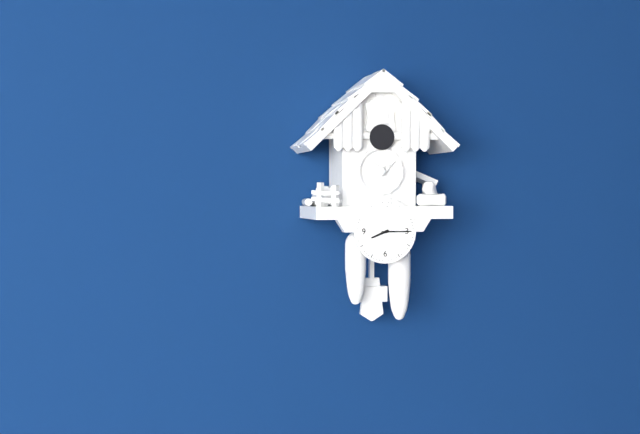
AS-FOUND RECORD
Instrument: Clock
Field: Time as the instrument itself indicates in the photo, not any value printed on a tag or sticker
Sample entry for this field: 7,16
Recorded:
8,15
